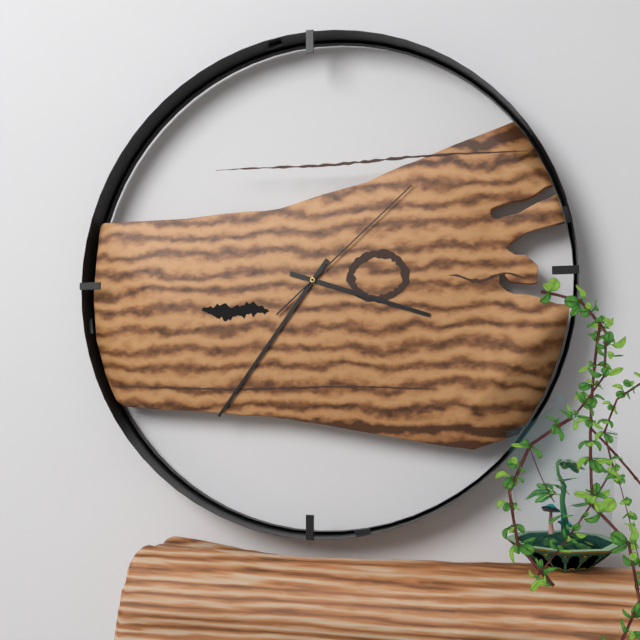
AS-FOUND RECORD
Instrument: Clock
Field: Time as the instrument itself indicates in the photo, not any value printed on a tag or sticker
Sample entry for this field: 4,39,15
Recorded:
3,36,08
